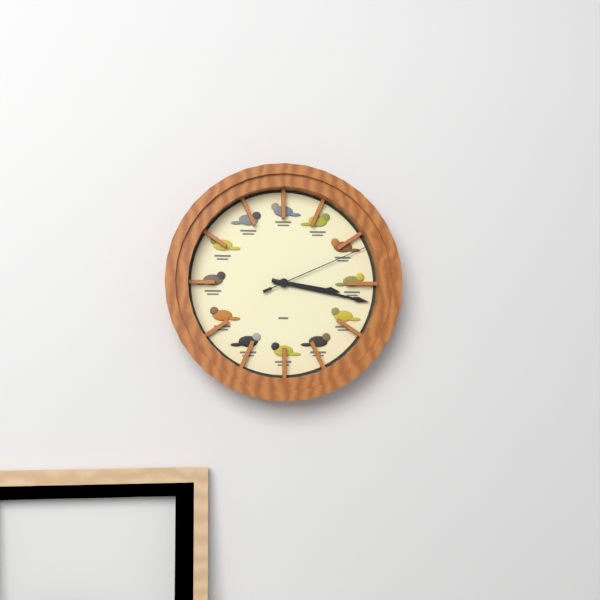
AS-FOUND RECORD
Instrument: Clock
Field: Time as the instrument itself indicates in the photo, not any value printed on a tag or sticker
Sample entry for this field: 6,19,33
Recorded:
3,17,11
